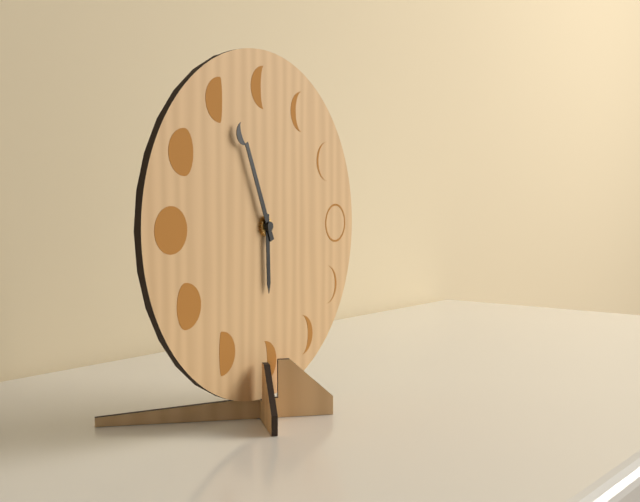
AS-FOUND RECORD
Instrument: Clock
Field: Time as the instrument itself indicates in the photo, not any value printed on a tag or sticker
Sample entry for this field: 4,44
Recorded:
5,56
